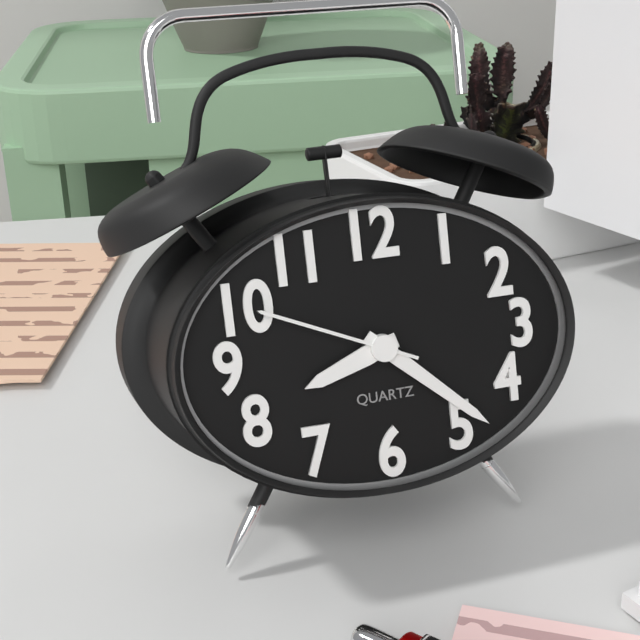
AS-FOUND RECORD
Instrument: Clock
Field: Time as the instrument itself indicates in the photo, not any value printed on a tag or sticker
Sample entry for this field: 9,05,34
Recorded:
8,22,49
